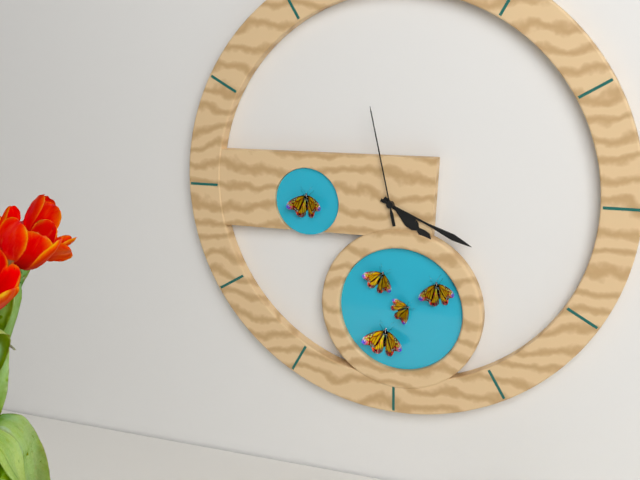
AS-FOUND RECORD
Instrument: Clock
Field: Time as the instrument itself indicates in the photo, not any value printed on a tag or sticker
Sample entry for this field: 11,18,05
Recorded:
4,19,58
